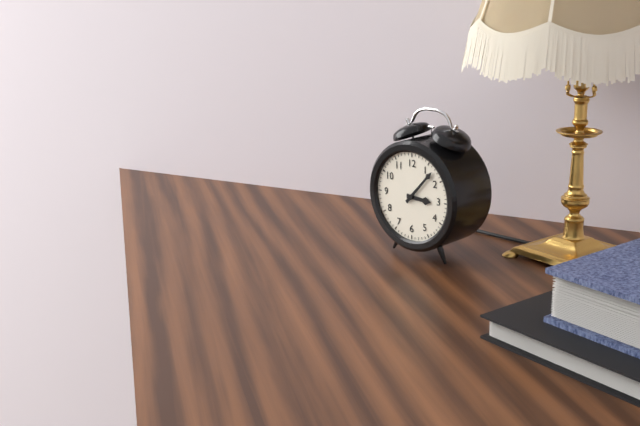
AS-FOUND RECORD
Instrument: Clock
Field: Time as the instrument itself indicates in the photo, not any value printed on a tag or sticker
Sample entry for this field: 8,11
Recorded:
3,07
